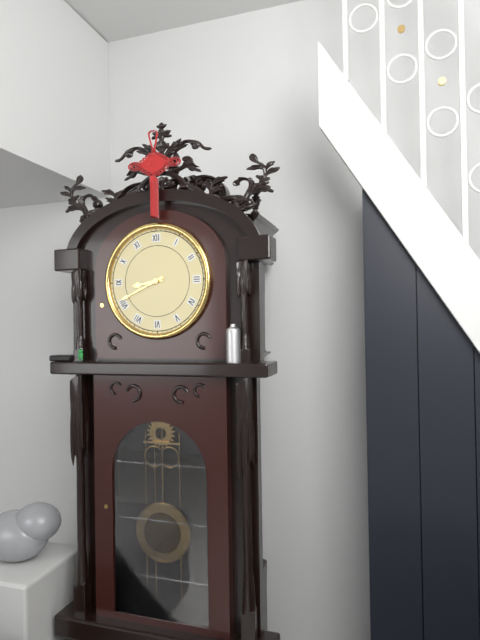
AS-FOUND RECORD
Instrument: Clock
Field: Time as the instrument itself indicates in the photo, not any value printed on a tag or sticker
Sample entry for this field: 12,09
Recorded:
8,41
